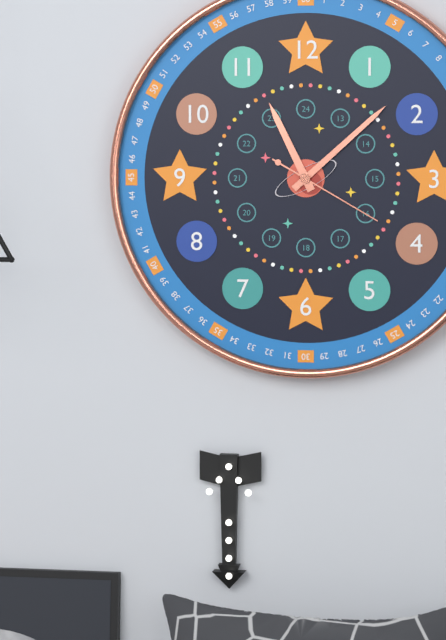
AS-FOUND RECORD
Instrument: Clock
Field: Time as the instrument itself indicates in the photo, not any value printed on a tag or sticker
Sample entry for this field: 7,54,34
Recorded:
11,08,20
